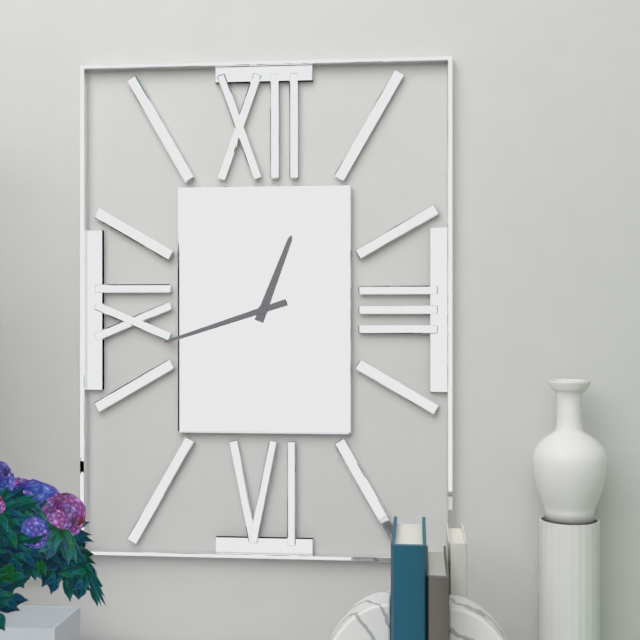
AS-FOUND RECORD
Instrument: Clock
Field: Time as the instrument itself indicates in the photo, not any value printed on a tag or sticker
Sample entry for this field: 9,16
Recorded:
12,42
